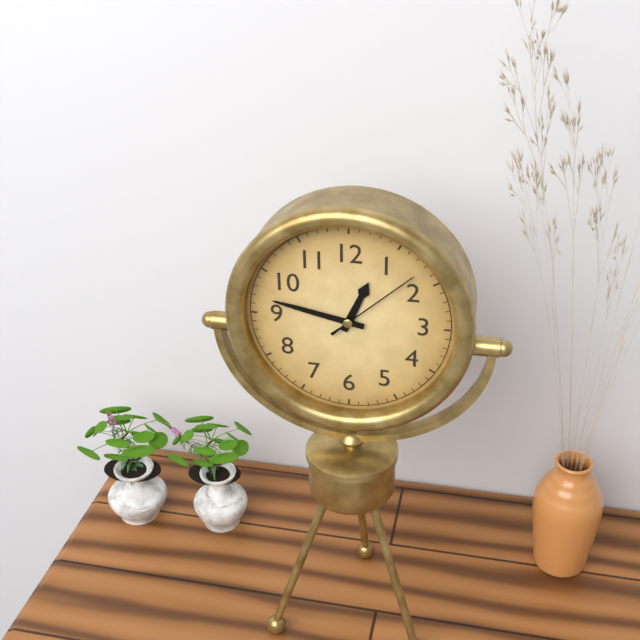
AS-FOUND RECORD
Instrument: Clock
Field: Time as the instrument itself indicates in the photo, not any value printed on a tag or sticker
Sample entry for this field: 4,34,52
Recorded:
12,47,08
